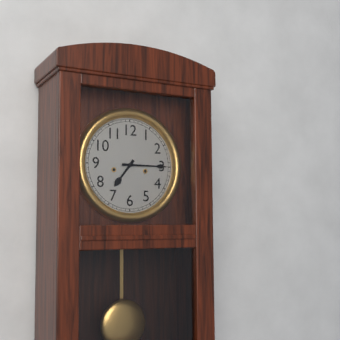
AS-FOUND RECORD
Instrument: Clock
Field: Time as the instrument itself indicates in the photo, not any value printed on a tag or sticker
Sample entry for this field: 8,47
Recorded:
7,15
